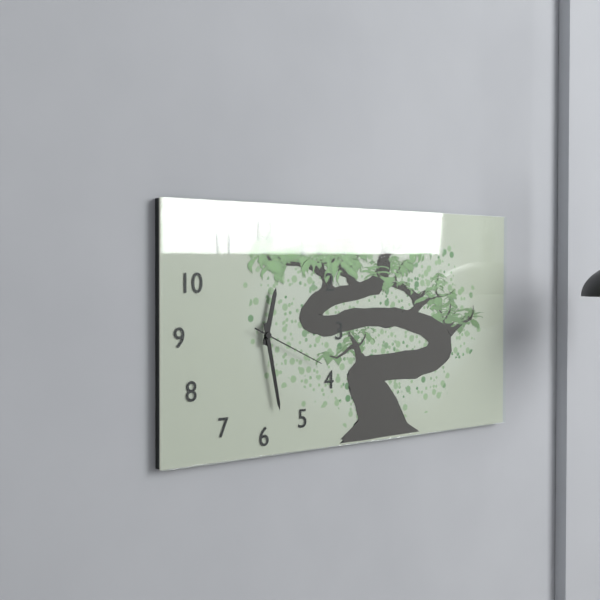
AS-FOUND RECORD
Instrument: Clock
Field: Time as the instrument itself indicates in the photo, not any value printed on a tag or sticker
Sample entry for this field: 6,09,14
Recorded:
12,28,19
